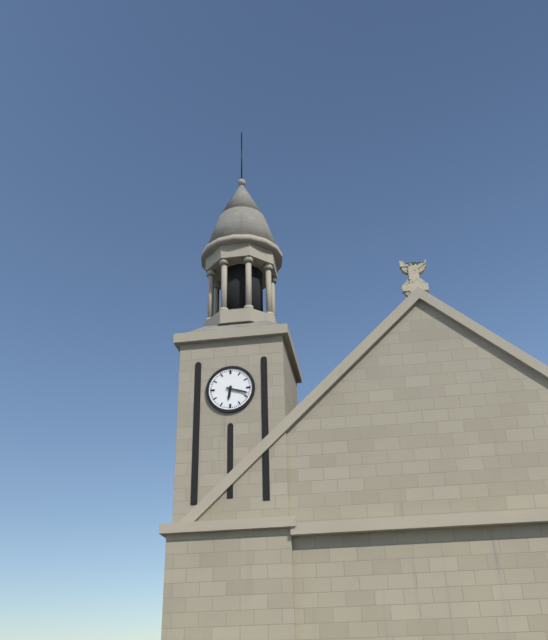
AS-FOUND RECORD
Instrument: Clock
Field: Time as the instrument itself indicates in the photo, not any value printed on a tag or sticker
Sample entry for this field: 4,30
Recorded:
6,18
